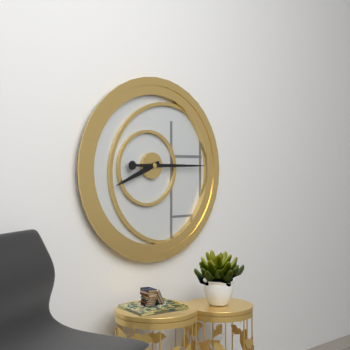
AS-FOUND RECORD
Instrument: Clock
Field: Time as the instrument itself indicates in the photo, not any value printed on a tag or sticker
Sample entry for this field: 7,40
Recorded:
8,15
